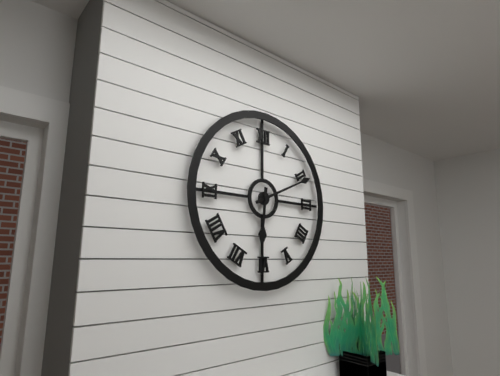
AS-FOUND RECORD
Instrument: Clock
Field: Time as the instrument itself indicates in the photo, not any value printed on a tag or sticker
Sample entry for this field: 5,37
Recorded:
6,11
